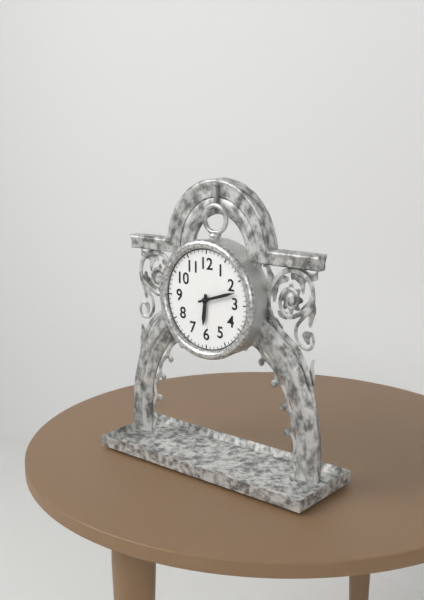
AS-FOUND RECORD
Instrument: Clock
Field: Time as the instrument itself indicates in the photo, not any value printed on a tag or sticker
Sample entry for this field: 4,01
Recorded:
6,12
